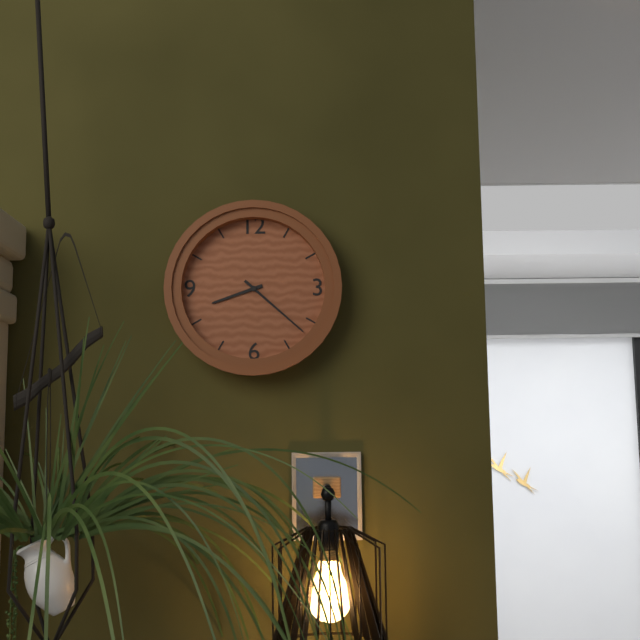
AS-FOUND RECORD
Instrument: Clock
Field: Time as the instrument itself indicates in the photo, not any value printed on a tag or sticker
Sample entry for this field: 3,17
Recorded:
8,22
